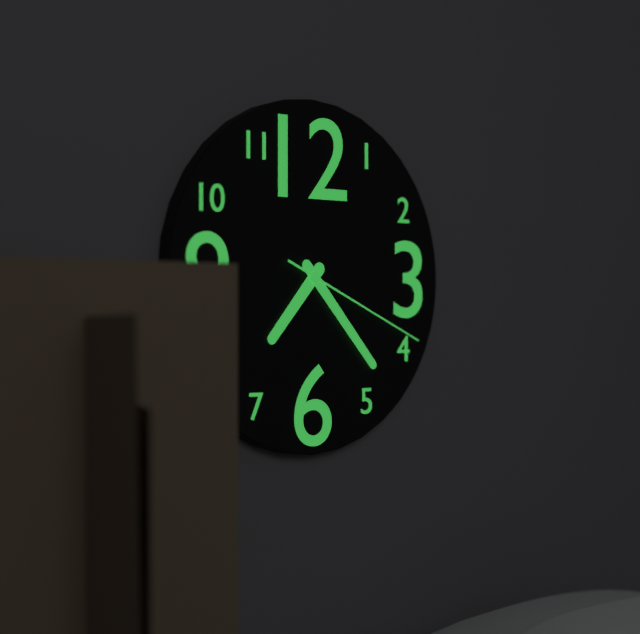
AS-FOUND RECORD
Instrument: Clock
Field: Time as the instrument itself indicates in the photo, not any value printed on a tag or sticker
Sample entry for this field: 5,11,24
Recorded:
7,23,19
